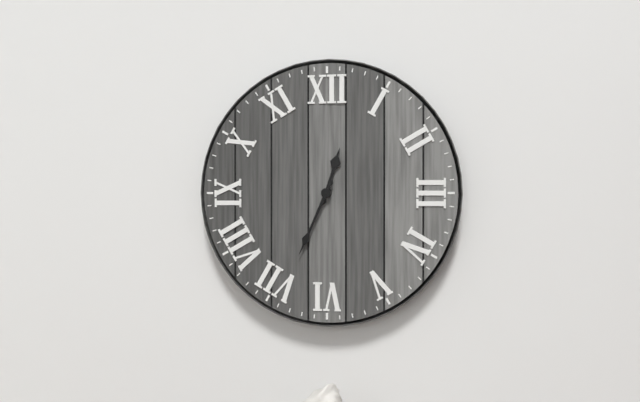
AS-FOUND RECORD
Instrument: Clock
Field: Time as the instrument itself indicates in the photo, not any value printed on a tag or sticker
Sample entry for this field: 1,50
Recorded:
12,34
